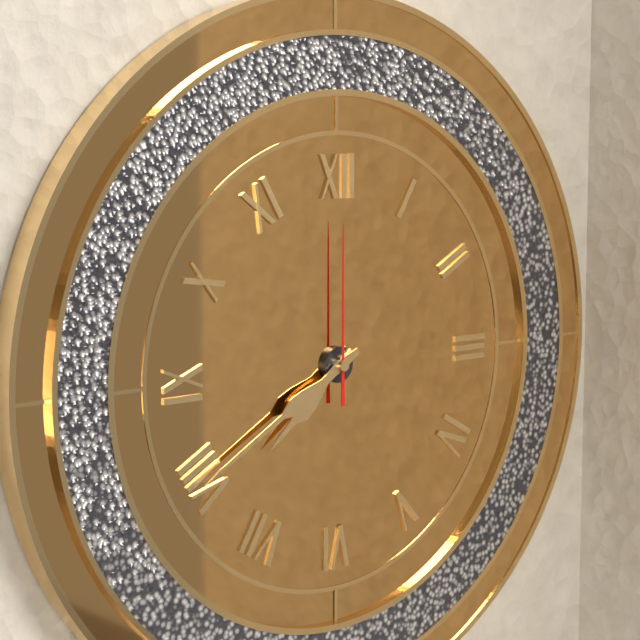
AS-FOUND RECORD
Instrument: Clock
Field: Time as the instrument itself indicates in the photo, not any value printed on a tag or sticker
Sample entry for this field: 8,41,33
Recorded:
7,40,00
